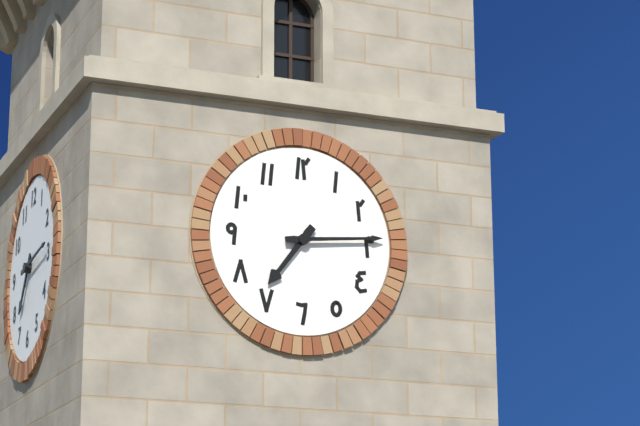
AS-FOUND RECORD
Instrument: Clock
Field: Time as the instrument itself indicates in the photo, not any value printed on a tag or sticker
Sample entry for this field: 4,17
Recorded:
7,14
